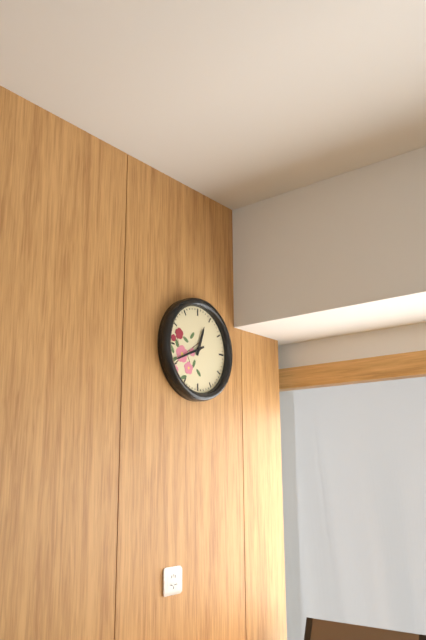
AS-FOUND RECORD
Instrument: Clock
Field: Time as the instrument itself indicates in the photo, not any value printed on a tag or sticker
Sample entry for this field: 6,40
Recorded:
12,41
